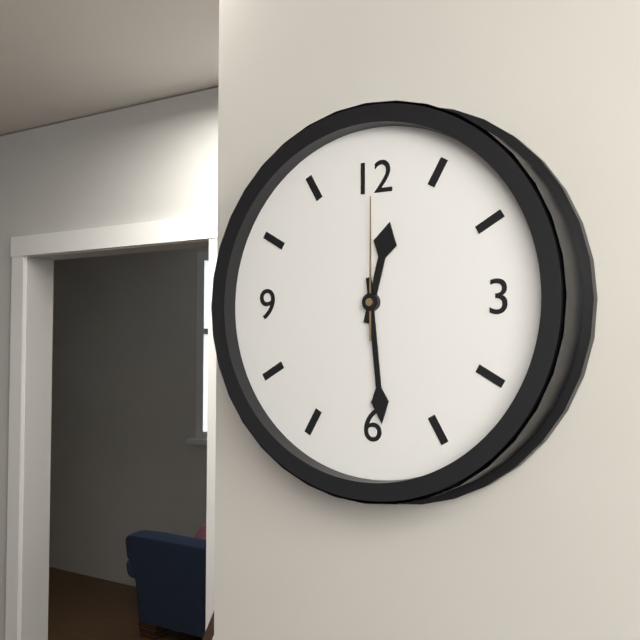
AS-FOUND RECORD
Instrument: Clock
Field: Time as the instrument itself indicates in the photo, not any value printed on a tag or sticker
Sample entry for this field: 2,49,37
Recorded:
12,29,00
